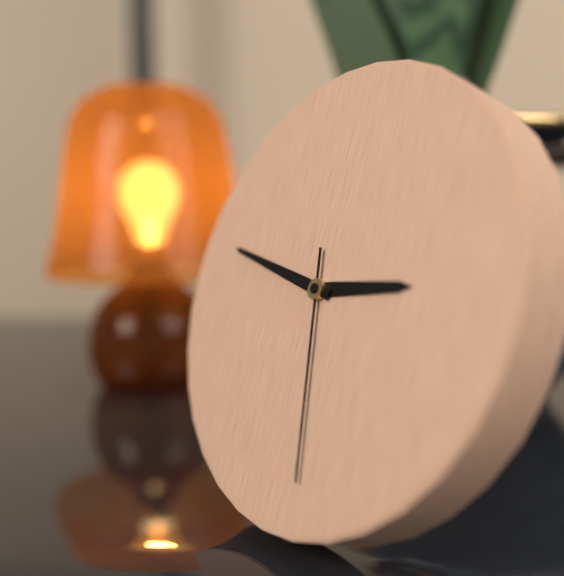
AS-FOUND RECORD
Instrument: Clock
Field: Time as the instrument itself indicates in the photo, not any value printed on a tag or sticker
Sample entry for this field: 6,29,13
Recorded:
2,47,28
